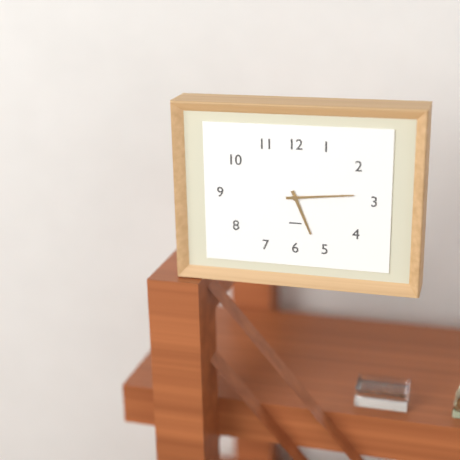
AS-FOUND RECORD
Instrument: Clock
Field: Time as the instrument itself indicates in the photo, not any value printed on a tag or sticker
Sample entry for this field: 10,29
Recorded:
5,14
